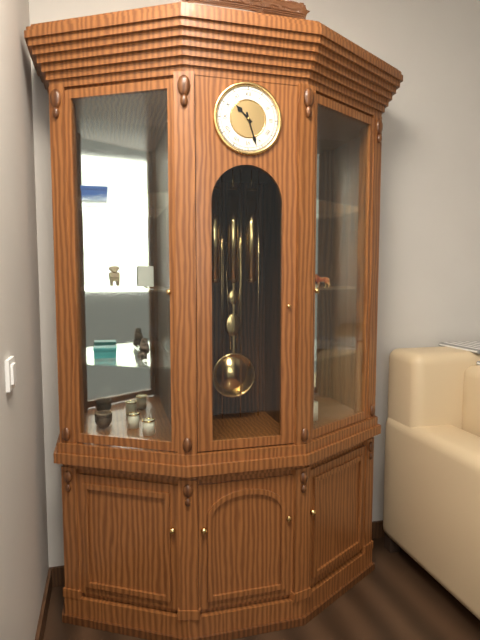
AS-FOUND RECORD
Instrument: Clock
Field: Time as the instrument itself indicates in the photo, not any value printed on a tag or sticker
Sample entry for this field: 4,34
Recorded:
10,27
